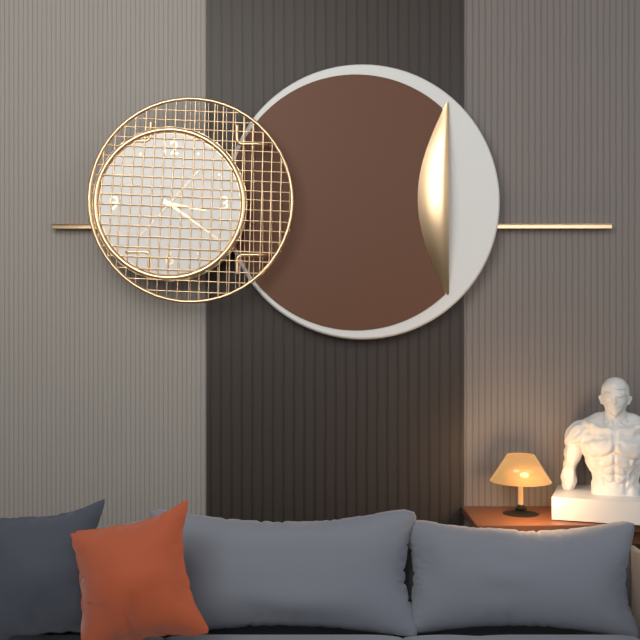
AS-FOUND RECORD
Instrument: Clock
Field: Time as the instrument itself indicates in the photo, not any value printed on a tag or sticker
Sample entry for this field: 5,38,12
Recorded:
3,21,07
